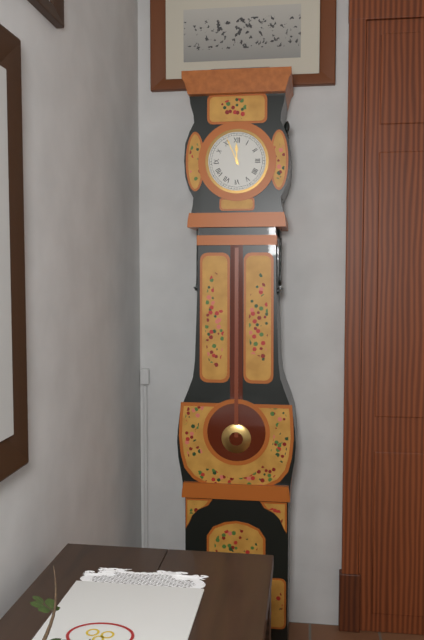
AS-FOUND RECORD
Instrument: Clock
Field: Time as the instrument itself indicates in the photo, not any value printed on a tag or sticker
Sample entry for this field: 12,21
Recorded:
11,56
